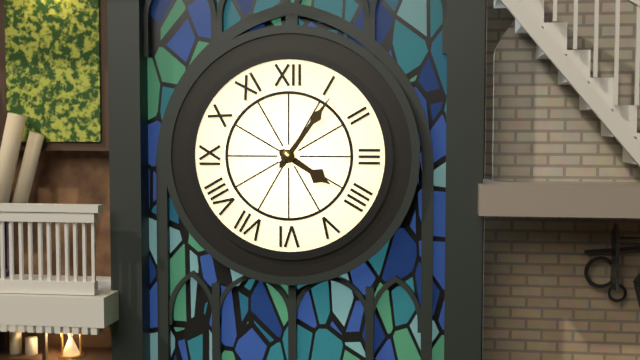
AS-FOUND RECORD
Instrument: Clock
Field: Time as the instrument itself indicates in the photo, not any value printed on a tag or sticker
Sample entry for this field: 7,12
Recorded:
4,06
